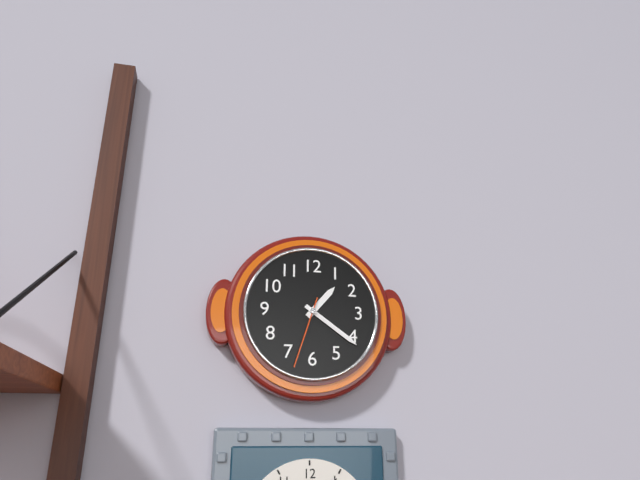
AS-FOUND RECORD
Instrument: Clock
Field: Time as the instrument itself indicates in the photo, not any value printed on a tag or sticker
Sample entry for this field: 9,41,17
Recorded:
1,21,33
